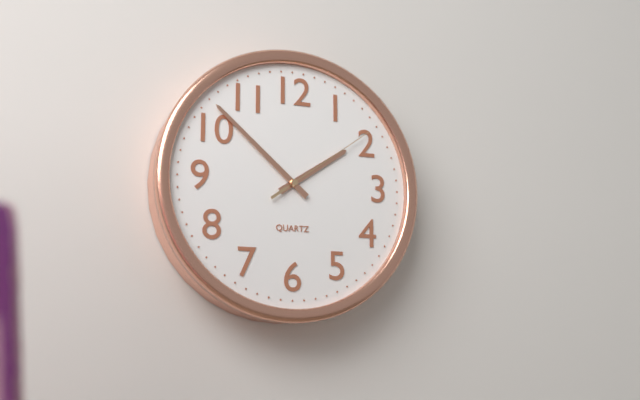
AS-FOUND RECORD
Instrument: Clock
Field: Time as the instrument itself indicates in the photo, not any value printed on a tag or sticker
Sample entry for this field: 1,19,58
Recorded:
1,52,09
